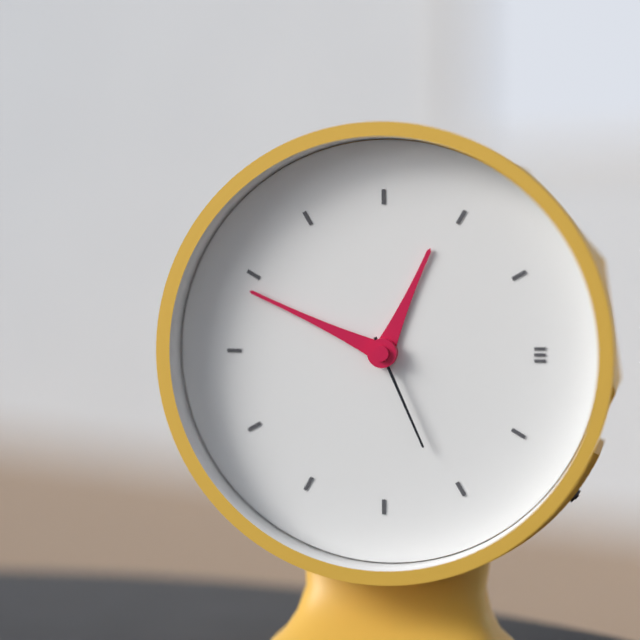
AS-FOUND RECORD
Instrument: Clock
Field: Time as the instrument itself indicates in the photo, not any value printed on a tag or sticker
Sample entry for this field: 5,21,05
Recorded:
12,49,26
